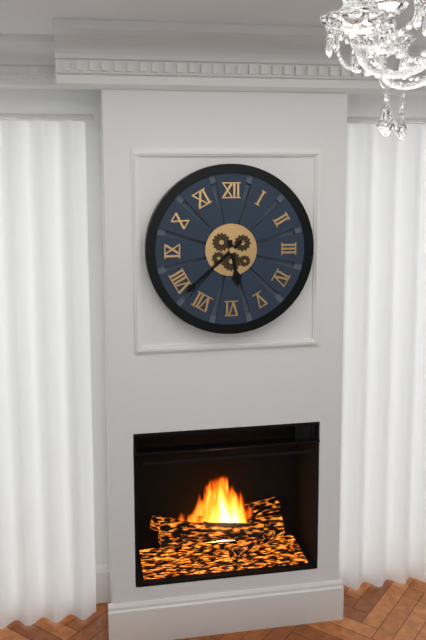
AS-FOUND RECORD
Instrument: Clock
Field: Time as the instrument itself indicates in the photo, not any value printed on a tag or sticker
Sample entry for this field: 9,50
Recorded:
5,38
